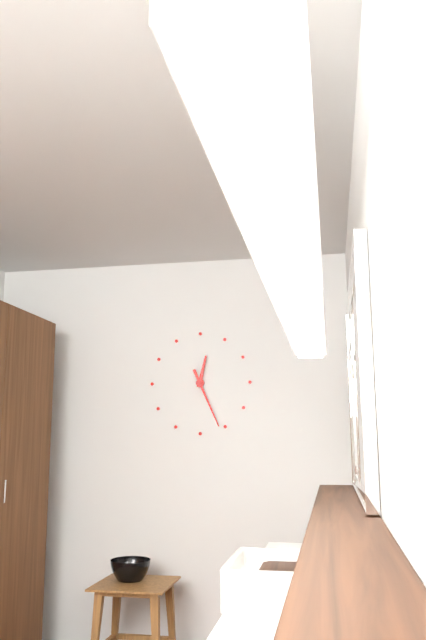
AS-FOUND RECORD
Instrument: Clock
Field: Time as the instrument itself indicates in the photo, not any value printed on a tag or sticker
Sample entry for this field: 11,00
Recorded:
12,26
